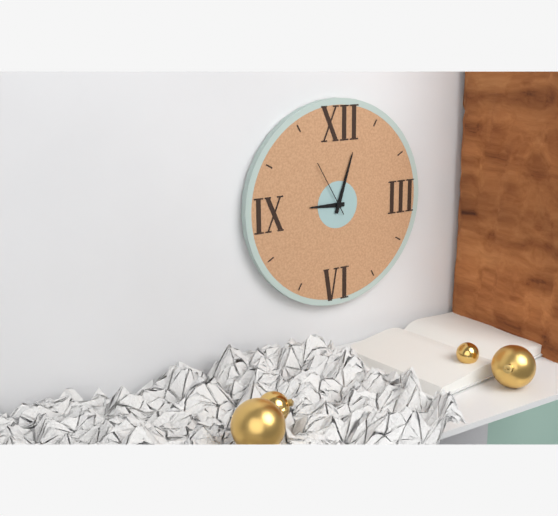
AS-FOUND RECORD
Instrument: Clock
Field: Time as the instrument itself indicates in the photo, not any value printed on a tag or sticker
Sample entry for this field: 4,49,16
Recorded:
9,03,55
